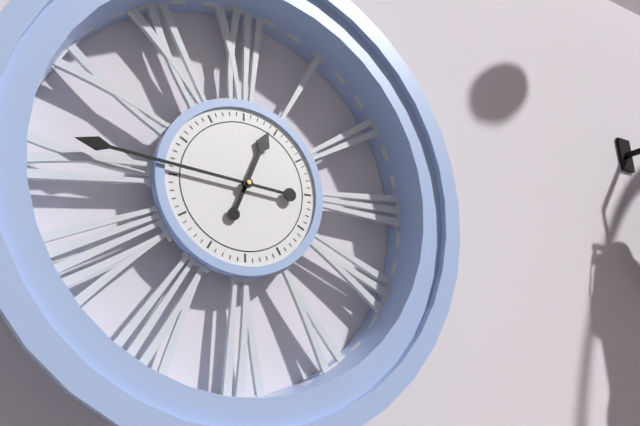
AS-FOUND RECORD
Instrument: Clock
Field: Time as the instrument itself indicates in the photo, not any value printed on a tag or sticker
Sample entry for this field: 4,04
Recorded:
12,46
